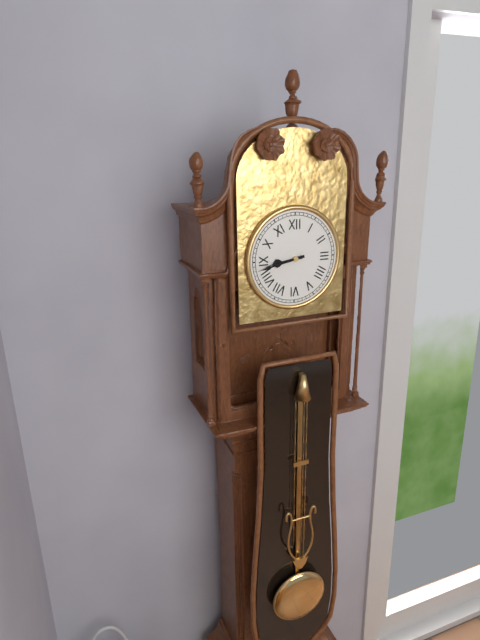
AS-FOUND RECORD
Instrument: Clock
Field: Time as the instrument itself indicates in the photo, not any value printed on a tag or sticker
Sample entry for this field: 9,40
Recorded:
8,43
